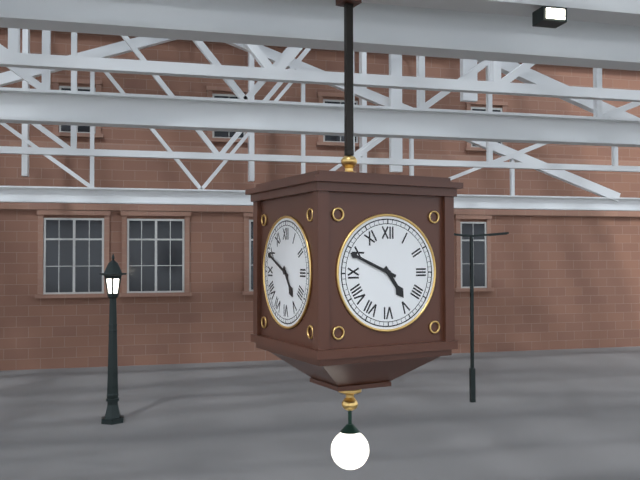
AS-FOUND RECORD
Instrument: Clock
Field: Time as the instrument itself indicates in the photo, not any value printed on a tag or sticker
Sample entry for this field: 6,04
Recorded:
4,49
